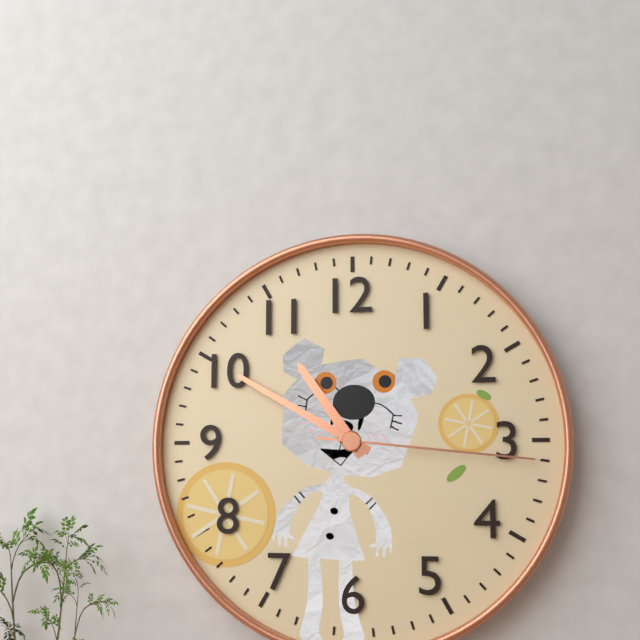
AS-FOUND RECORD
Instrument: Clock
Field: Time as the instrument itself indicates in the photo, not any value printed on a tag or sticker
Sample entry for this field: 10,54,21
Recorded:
10,50,16
